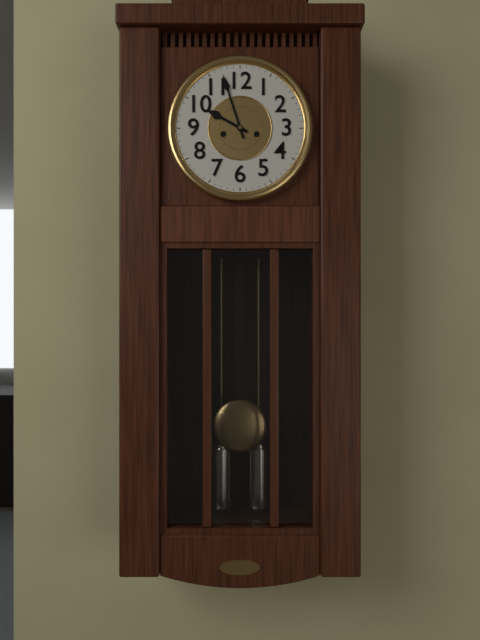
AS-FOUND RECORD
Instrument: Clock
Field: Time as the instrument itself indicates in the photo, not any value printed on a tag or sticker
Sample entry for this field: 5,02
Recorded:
9,57
